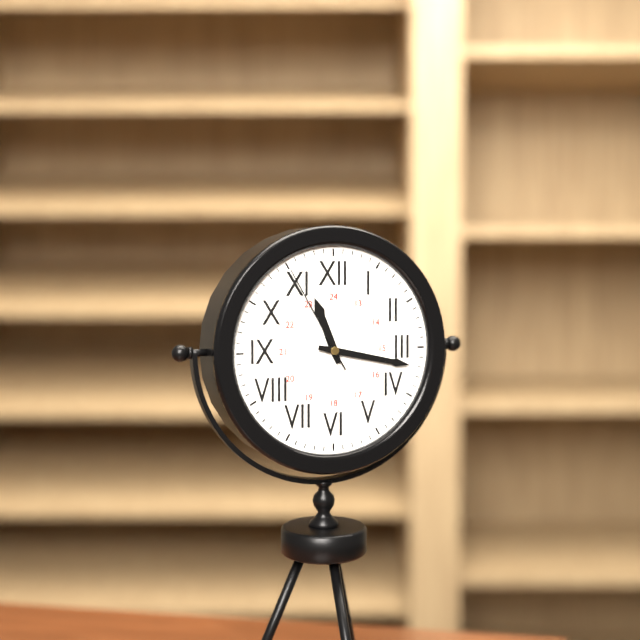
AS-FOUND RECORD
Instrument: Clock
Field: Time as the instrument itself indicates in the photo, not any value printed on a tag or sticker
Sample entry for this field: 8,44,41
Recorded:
11,17,55
